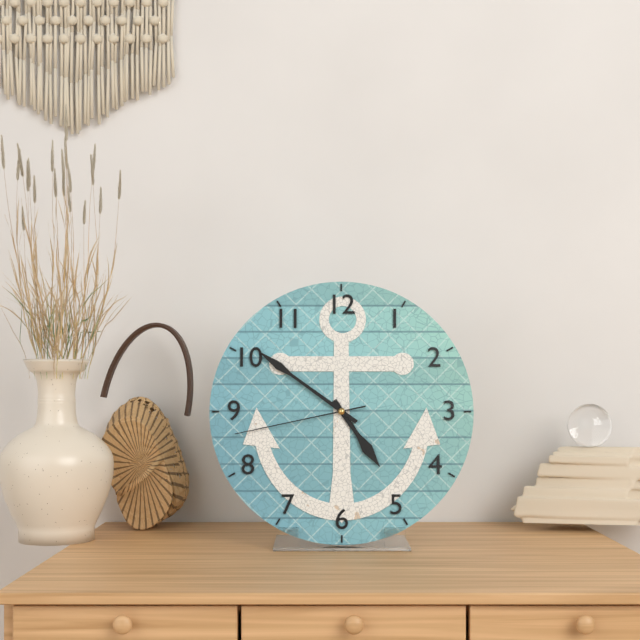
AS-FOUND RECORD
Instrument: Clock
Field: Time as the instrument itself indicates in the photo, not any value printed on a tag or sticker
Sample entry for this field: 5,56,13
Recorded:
4,51,43
